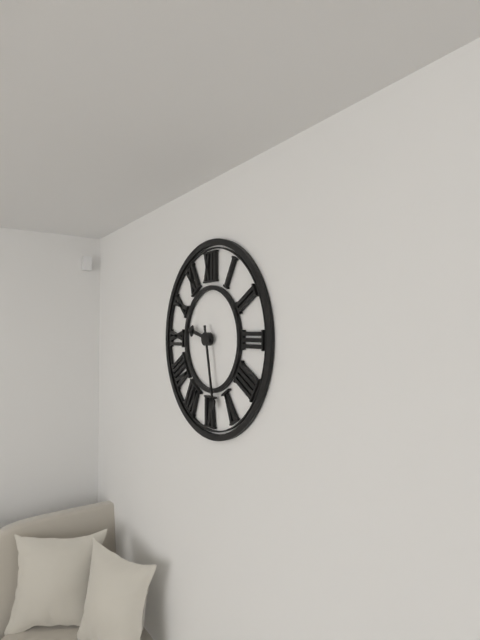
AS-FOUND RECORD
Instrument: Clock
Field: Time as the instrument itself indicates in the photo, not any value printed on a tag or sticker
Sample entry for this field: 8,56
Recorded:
9,28
